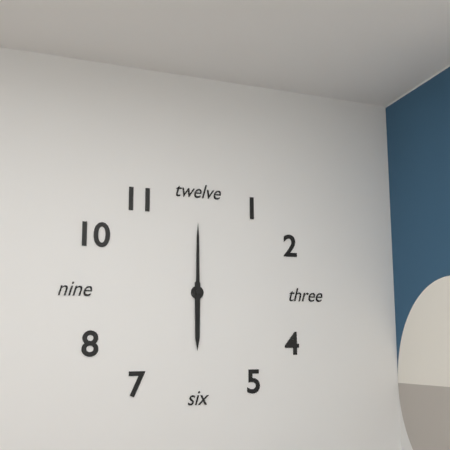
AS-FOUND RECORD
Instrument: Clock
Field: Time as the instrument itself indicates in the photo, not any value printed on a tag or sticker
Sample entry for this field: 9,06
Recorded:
6,00
